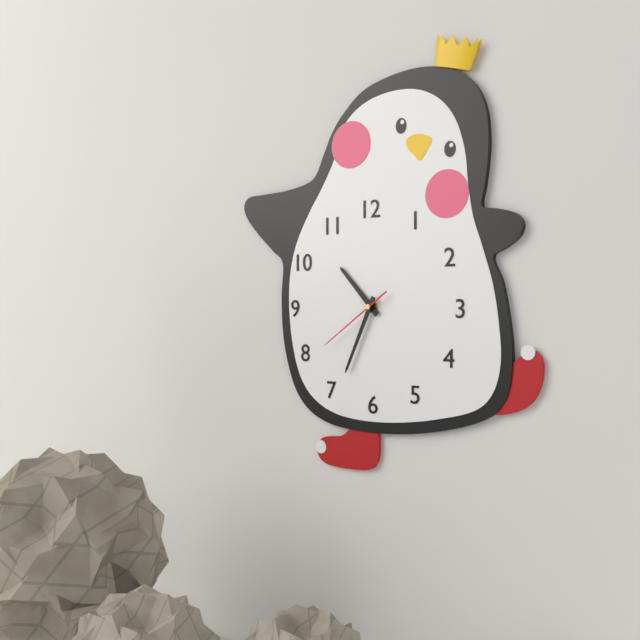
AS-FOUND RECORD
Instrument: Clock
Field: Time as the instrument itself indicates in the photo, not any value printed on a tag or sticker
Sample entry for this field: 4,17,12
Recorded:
10,34,39
